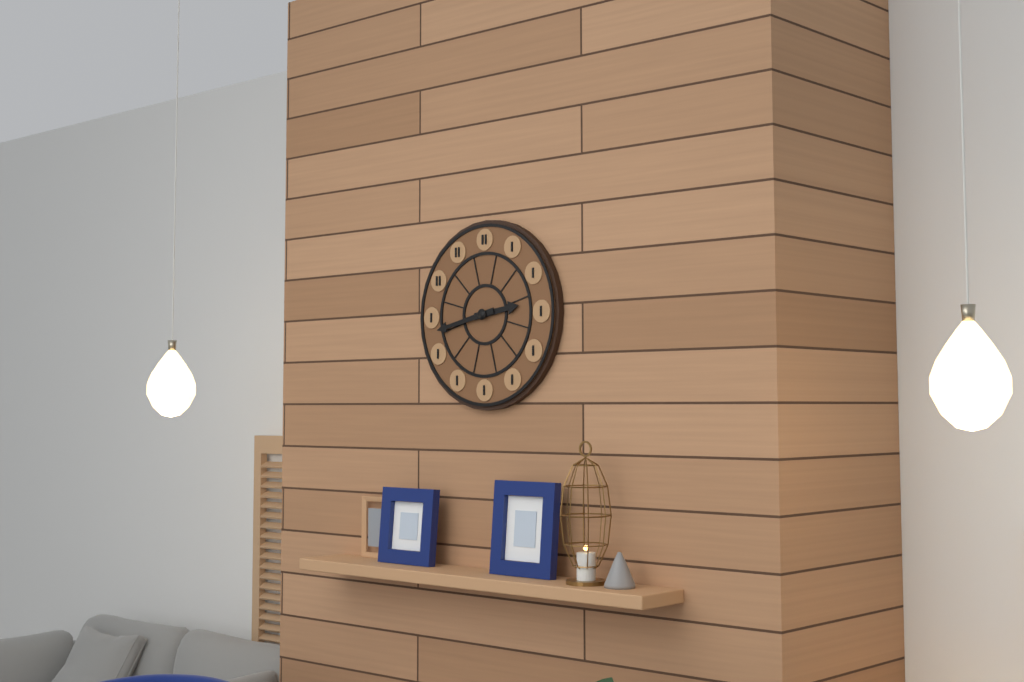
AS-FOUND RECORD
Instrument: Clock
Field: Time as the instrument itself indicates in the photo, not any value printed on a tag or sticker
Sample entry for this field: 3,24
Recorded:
2,43
